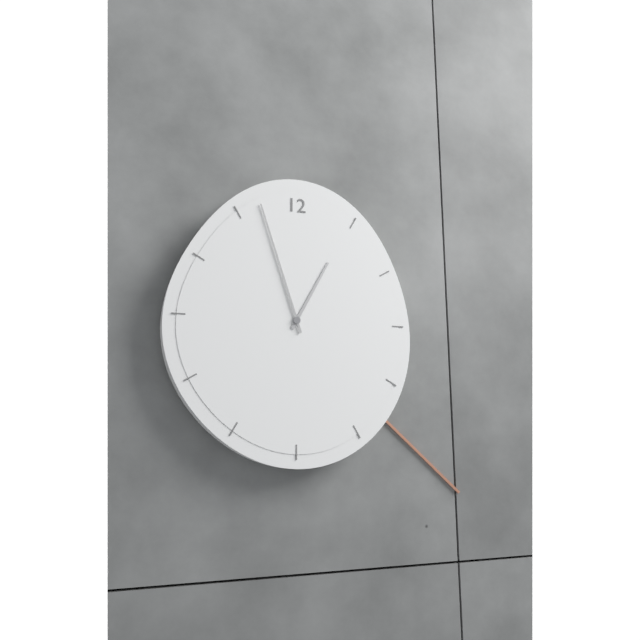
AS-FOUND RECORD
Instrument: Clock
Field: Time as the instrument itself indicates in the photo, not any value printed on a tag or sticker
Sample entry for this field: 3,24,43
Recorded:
12,57,22
